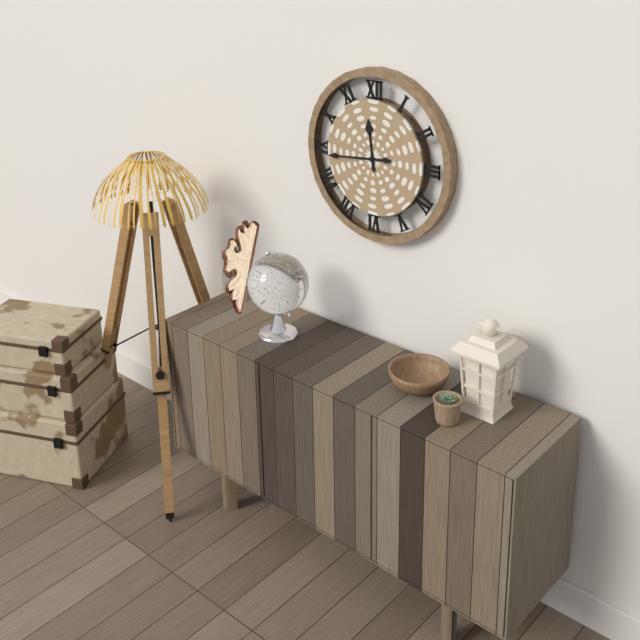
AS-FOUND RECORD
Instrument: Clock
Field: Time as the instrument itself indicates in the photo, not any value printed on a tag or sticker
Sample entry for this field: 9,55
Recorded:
11,44
